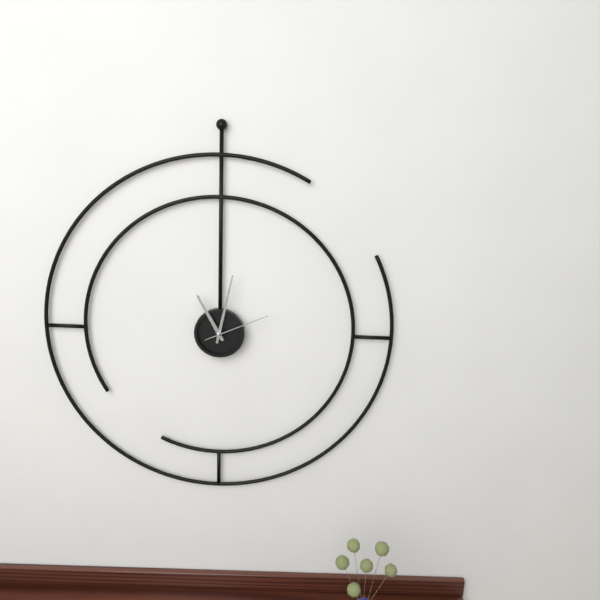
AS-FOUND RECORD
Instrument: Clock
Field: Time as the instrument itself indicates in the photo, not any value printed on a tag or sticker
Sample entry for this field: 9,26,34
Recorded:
11,02,11
